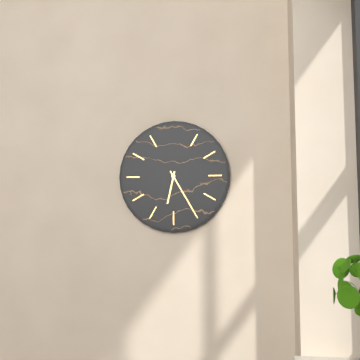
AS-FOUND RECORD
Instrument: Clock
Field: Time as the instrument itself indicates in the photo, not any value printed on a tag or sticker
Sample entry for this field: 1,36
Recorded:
6,25
